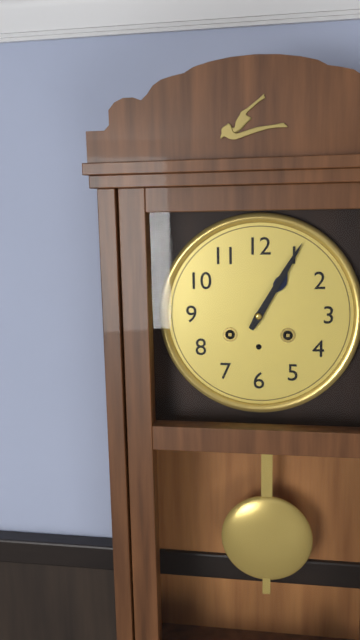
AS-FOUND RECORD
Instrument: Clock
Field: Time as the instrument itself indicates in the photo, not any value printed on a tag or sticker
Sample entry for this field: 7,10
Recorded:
1,05
